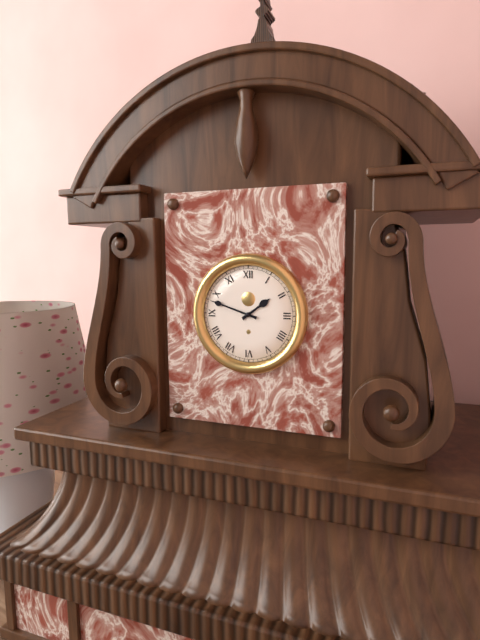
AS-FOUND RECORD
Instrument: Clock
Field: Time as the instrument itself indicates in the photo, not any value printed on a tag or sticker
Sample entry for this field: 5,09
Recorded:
1,48
